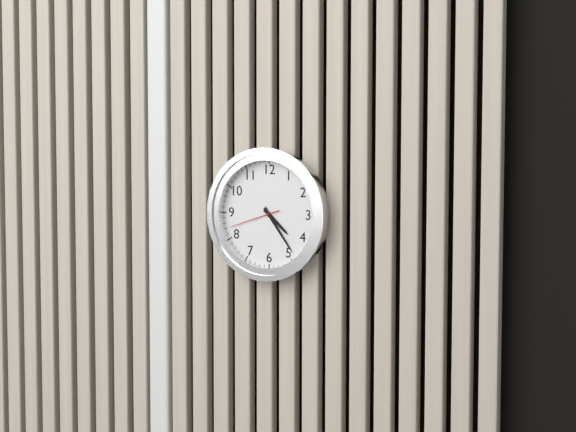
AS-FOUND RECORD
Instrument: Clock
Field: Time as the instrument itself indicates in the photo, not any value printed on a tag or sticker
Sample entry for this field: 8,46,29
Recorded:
4,24,42
